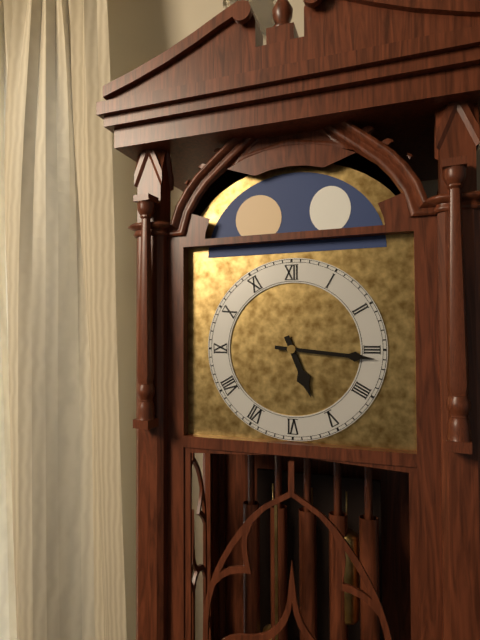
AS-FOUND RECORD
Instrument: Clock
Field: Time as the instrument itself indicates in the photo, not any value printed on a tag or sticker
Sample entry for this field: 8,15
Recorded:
5,16
